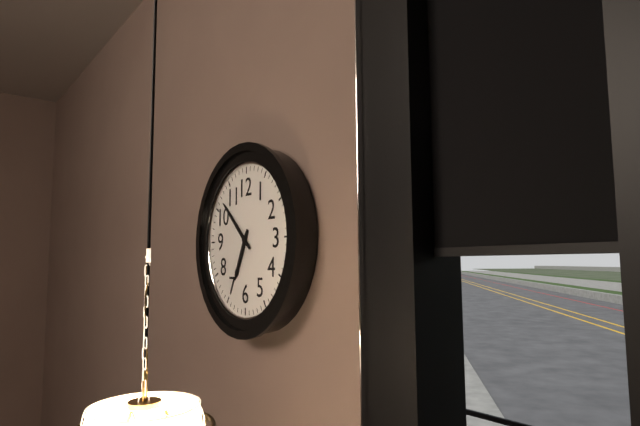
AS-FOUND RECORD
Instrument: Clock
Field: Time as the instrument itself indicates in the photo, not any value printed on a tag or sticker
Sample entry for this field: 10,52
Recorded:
6,52
